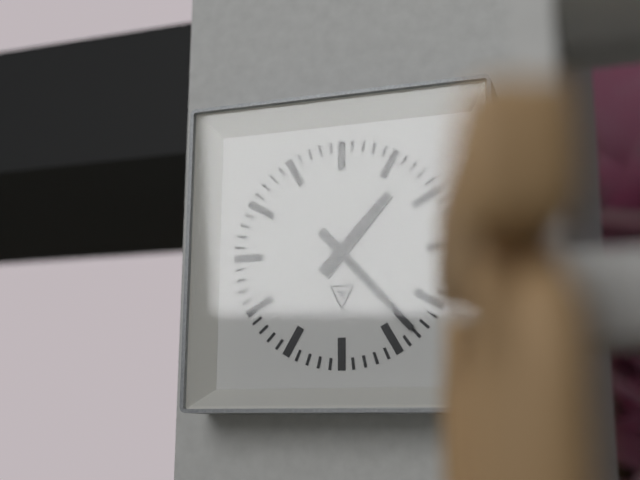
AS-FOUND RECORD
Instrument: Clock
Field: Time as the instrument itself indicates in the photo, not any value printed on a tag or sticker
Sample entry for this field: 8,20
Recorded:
1,23
